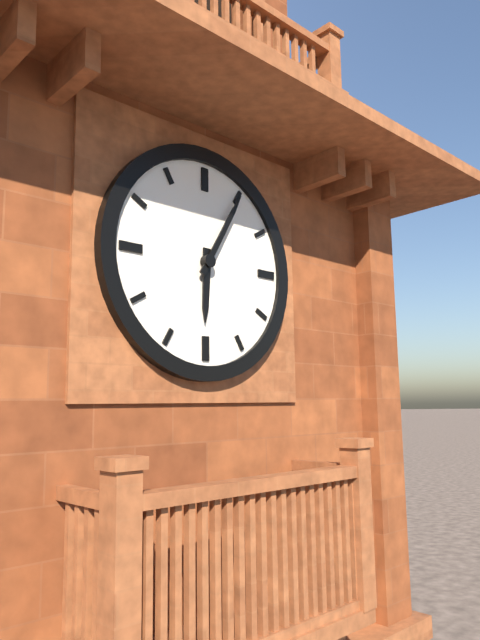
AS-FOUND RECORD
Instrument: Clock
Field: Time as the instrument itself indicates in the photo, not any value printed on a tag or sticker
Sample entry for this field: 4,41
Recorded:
6,05
